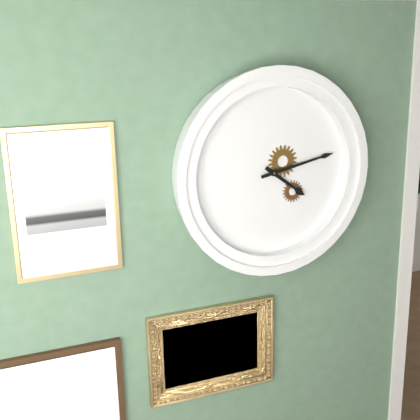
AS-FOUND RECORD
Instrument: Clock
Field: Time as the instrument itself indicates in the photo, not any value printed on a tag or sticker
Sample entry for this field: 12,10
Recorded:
4,13
